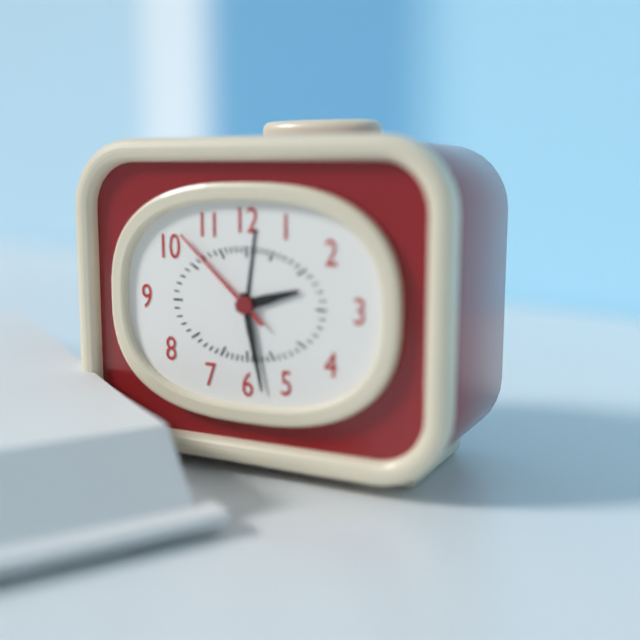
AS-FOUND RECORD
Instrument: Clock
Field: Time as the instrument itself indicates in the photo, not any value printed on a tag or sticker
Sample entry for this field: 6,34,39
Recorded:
2,28,52
